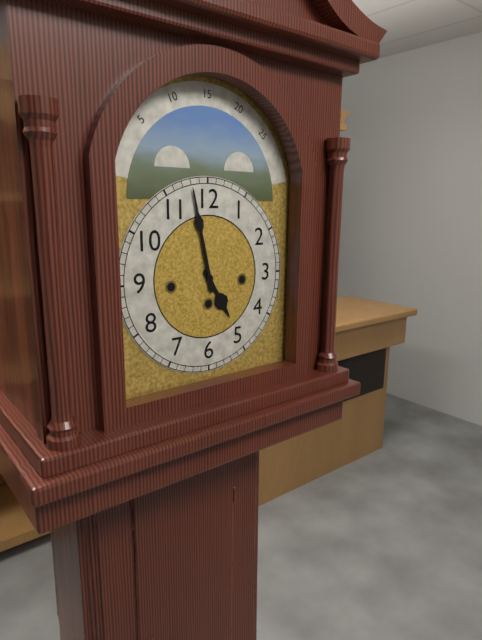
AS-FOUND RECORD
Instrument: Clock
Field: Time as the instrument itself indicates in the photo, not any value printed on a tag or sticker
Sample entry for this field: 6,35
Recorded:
4,58
